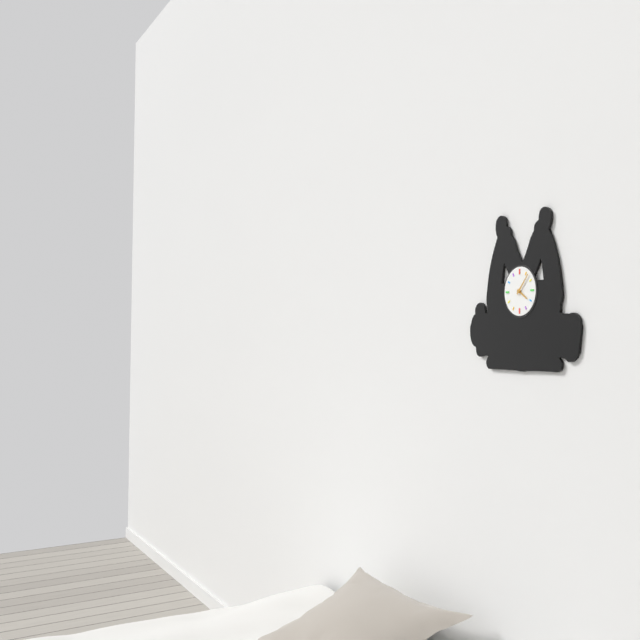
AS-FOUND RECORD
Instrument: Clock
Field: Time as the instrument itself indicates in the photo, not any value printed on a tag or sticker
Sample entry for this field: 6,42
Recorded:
4,07
